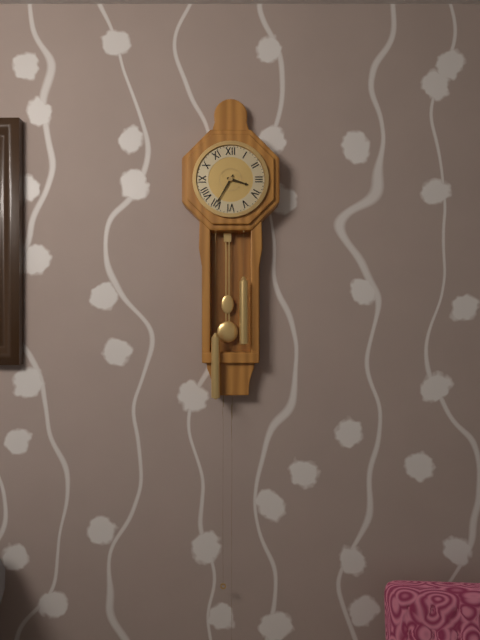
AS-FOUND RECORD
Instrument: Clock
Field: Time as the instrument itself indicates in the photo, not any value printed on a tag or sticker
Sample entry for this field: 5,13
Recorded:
3,35
